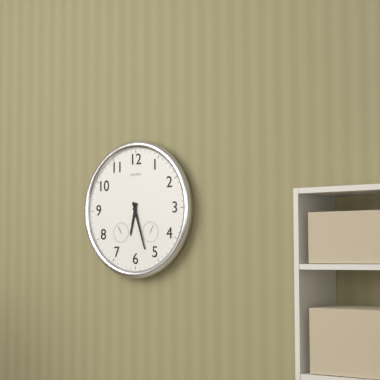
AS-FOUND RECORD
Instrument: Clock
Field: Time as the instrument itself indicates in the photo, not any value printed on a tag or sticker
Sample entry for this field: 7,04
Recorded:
6,27
